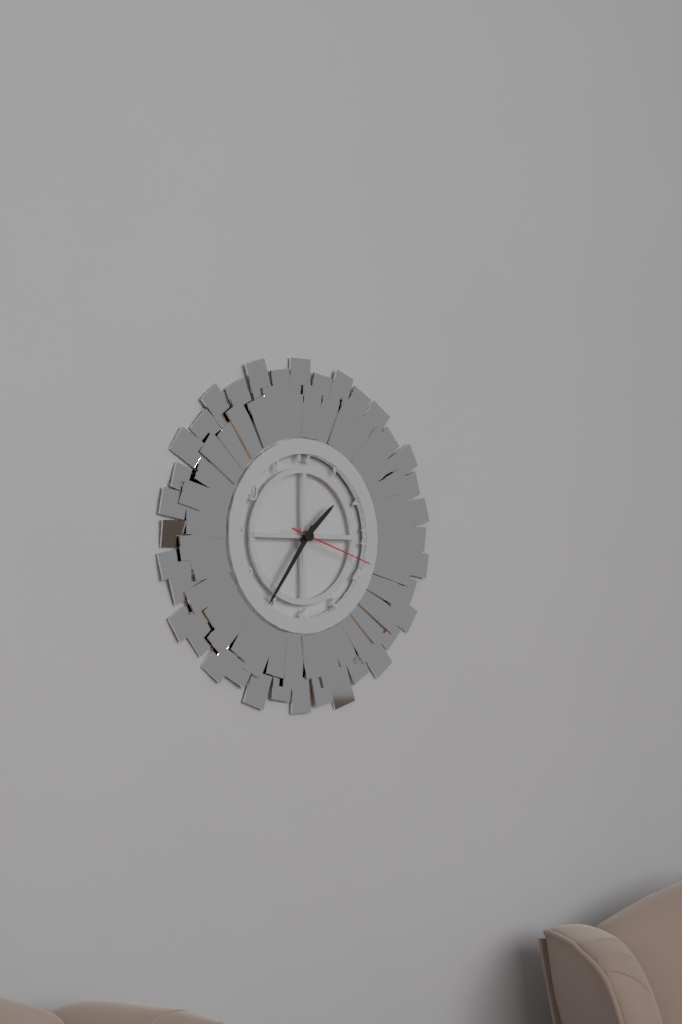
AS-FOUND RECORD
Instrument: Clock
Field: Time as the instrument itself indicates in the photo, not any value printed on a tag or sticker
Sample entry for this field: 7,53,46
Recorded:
1,36,18
